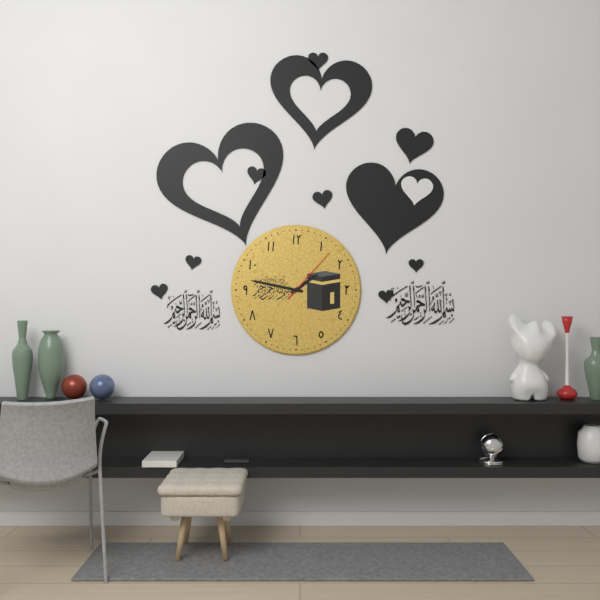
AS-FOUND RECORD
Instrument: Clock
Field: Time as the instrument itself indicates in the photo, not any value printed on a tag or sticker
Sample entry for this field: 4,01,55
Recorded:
1,47,07
